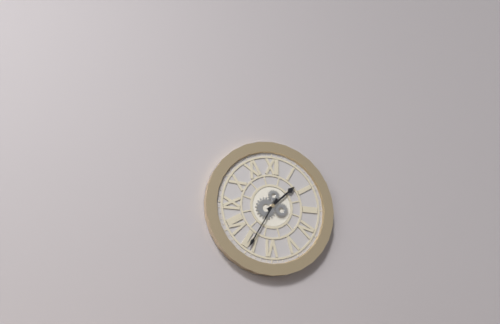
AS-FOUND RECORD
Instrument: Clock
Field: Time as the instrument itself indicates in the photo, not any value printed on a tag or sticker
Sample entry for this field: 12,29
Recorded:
1,35
